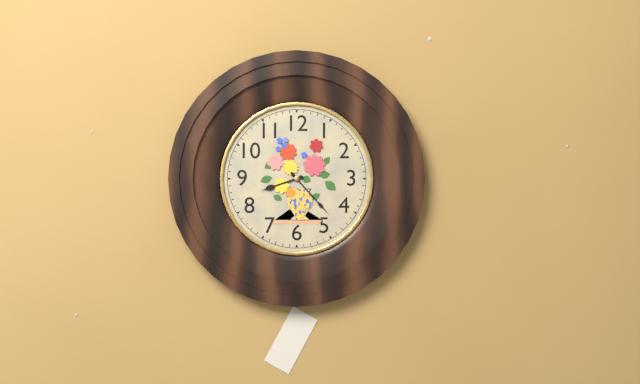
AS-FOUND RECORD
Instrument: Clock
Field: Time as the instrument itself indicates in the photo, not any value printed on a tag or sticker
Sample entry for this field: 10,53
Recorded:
8,23
